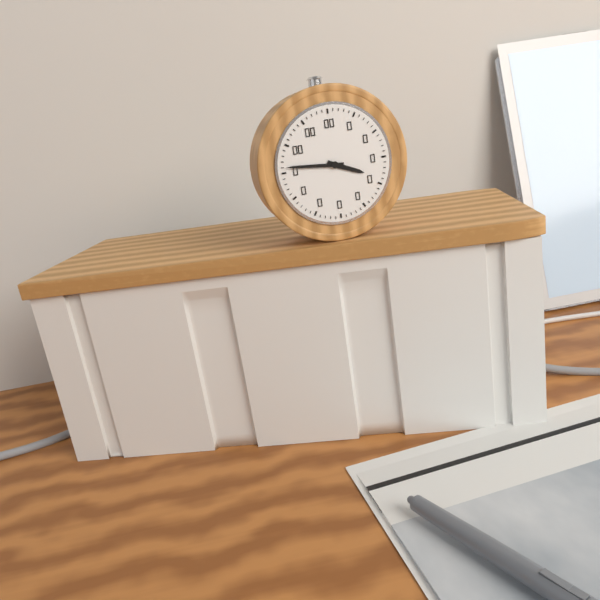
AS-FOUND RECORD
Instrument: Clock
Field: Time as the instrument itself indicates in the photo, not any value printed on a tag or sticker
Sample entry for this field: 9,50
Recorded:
3,46
